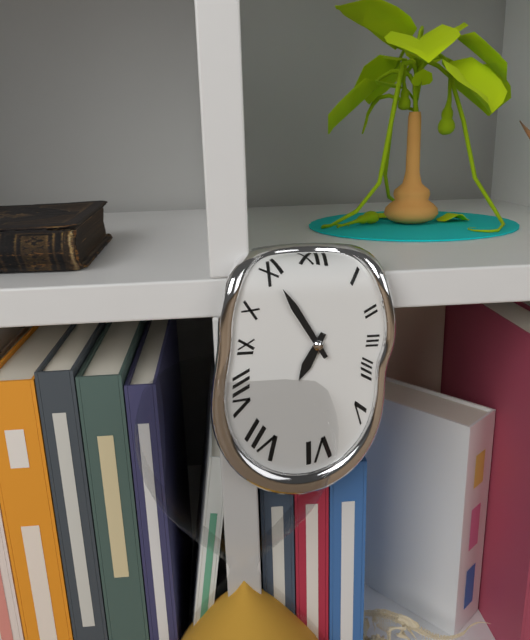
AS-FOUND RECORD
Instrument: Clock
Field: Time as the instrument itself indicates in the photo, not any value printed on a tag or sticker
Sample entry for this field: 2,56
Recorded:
6,55
